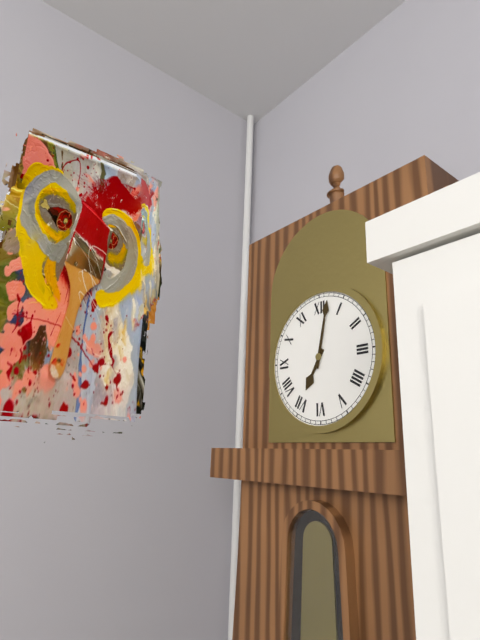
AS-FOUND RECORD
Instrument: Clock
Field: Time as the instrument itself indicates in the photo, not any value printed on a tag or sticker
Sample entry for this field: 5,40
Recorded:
7,02
